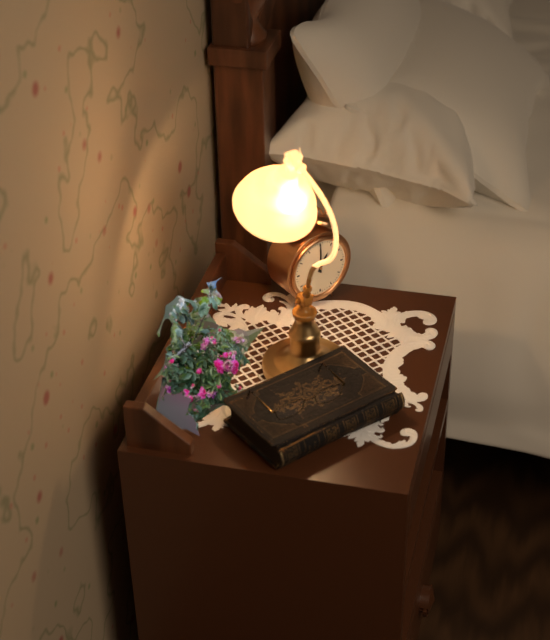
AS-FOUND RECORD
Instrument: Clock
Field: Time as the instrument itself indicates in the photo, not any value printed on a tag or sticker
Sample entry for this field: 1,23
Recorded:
1,00
